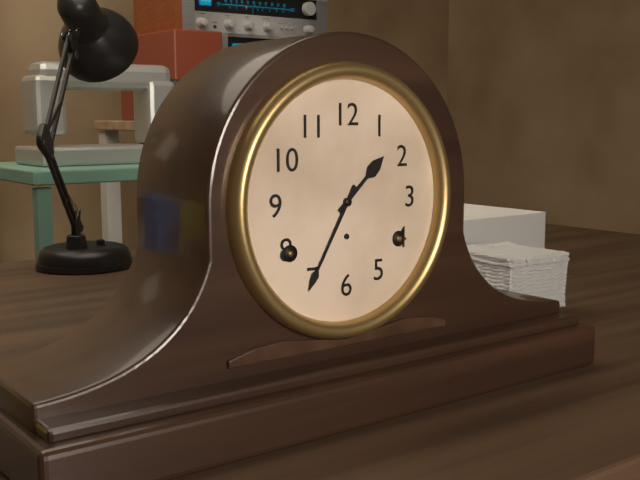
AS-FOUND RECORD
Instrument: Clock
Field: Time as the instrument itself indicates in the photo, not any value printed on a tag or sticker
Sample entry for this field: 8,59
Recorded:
1,35
